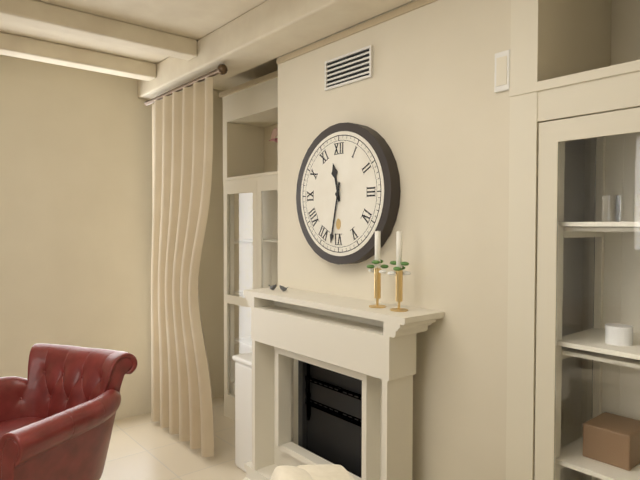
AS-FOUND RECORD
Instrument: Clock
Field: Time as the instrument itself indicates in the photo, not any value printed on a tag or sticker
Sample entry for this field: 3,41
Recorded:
11,32
